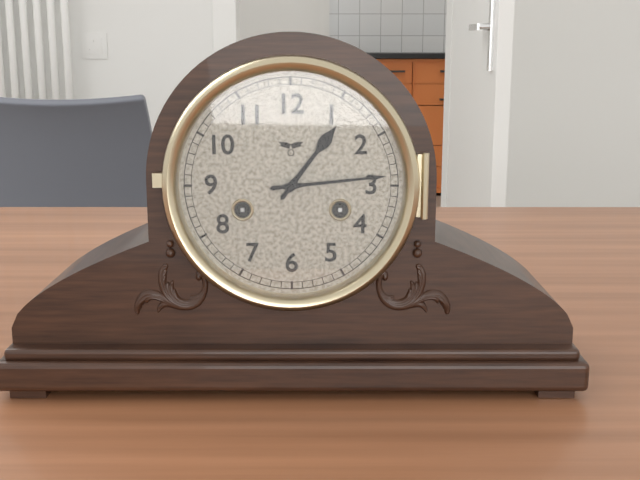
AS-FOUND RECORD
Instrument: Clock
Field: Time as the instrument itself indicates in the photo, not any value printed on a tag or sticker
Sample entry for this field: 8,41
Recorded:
1,14
